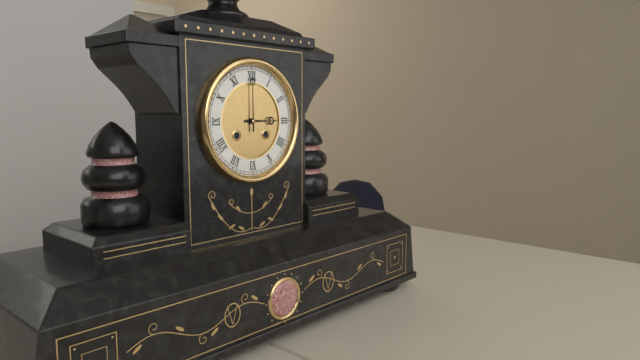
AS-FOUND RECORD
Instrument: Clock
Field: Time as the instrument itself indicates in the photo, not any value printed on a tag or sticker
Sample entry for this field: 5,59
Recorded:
3,00
